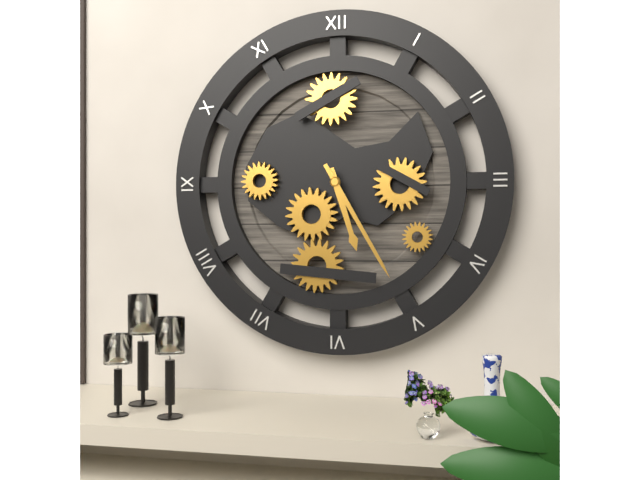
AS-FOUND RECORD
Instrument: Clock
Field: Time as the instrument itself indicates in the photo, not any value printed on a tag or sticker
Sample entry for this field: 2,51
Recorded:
5,25
